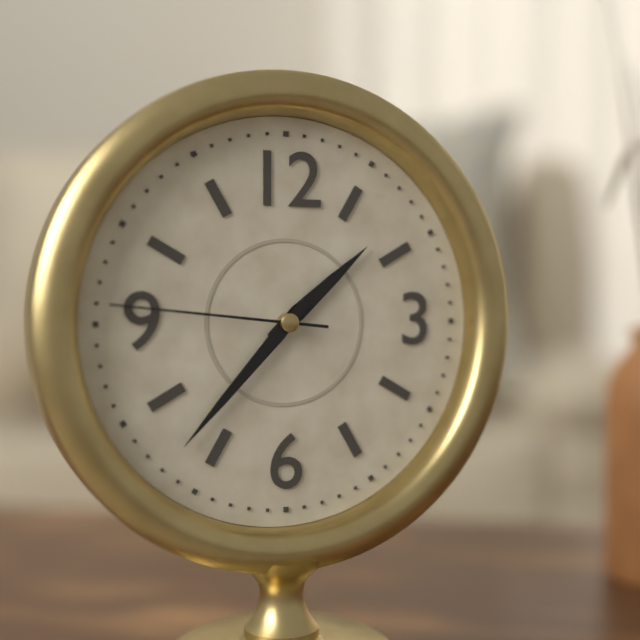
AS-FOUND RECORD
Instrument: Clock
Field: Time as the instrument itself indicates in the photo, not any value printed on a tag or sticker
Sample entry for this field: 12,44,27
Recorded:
1,37,46
